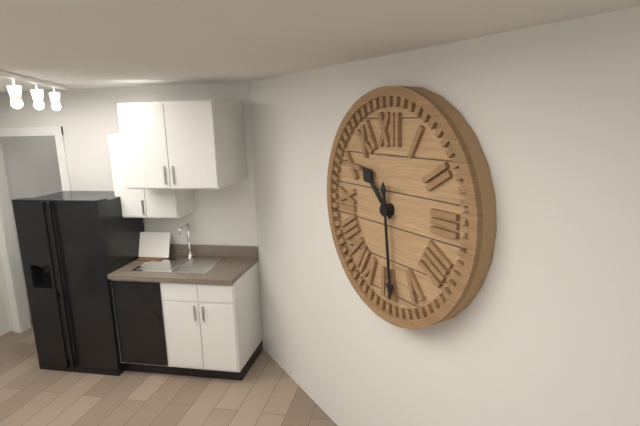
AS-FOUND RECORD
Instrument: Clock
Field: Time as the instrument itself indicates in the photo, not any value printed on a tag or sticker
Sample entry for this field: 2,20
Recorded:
10,29
